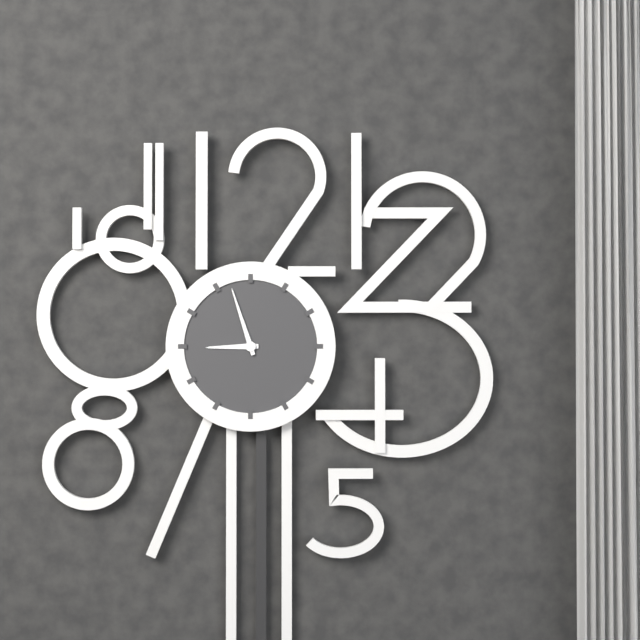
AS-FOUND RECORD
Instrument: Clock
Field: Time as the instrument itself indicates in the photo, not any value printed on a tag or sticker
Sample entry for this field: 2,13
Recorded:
8,57
